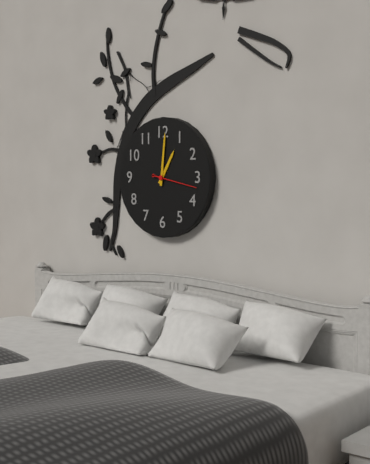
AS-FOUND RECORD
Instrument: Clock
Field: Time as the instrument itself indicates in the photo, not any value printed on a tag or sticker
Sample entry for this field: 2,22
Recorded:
1,01
